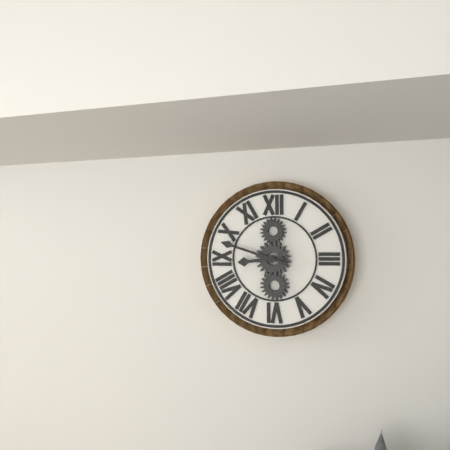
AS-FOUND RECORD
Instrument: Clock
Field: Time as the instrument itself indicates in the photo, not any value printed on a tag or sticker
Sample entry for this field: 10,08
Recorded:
8,48
